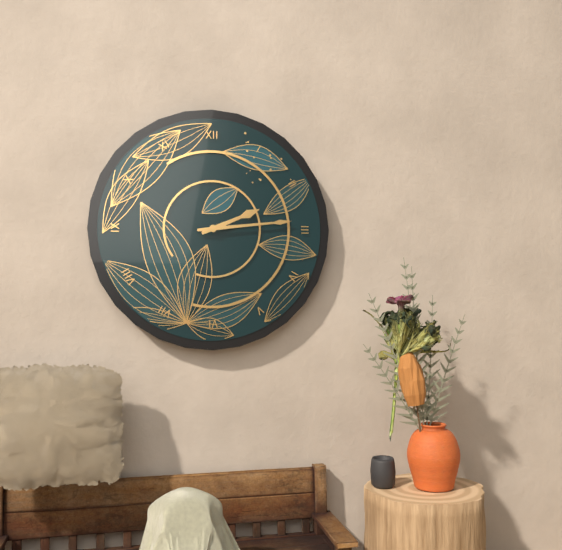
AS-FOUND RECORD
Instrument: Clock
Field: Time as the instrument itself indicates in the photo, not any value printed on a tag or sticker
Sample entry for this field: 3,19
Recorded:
2,14
